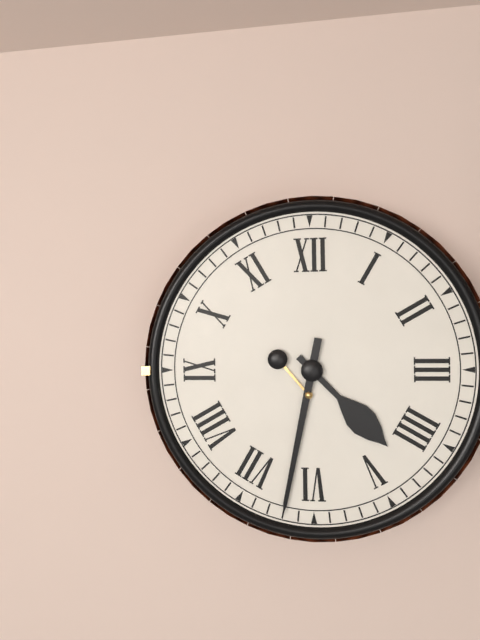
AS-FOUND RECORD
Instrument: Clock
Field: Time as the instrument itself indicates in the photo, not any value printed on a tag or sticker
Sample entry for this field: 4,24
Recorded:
4,32
